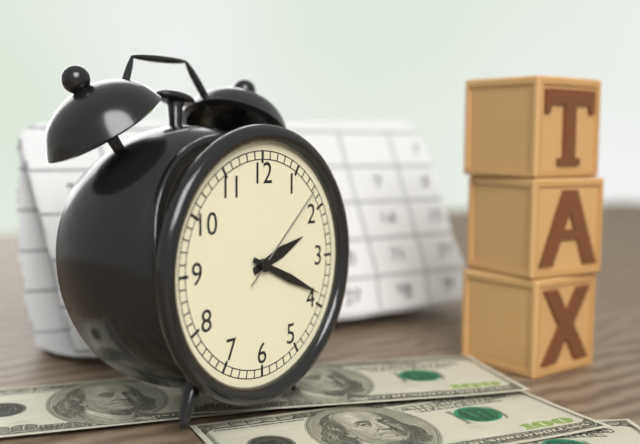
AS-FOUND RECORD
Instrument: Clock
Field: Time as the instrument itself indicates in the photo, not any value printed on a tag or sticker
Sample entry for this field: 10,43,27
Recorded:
2,19,08
